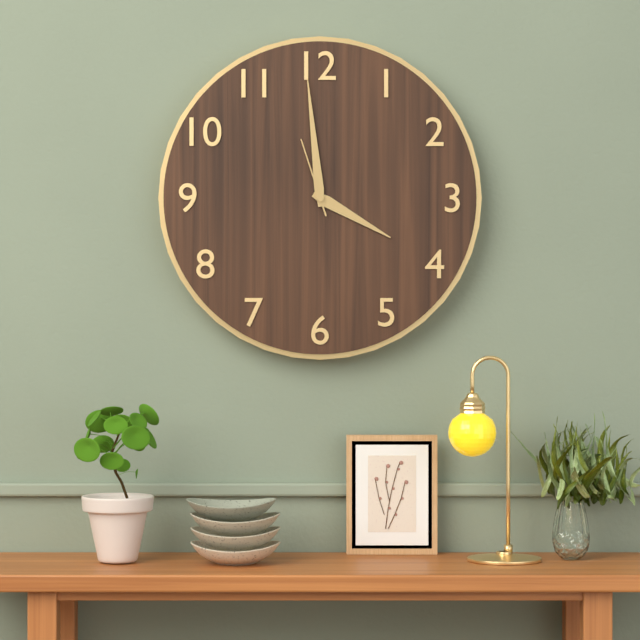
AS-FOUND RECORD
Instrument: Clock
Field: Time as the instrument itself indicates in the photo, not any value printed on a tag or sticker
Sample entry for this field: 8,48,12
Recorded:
3,59,57
